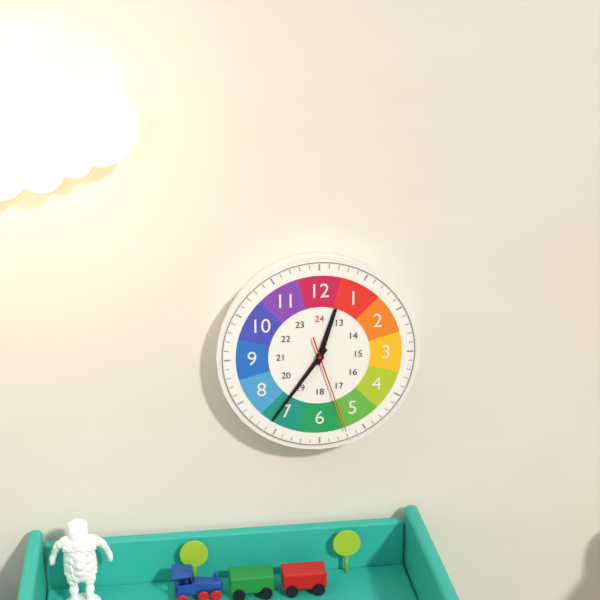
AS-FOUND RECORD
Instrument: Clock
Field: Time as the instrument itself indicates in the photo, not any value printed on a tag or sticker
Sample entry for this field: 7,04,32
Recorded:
12,36,27
